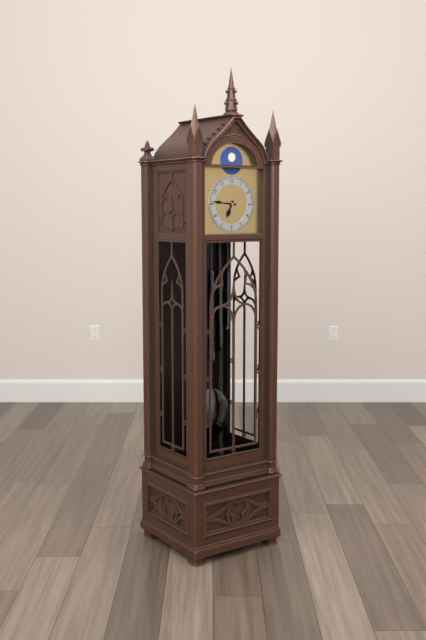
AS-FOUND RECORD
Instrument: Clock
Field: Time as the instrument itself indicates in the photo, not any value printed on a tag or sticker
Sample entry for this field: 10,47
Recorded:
6,46
